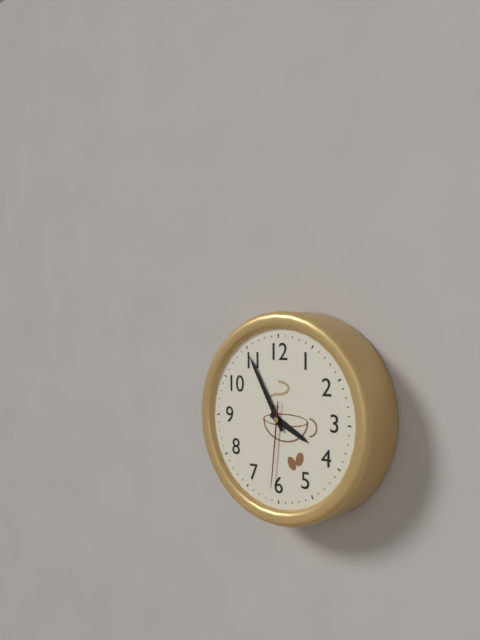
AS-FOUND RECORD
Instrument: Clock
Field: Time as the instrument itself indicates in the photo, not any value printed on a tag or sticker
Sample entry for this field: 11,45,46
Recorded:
3,55,31
